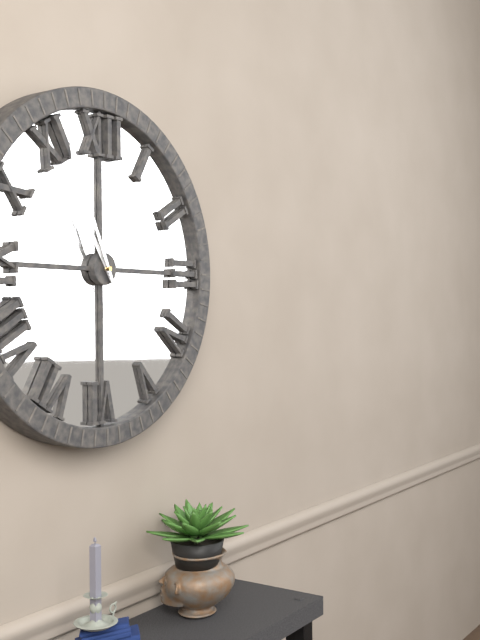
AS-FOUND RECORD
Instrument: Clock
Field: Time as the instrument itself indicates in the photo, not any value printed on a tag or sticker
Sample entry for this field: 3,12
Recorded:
10,56
